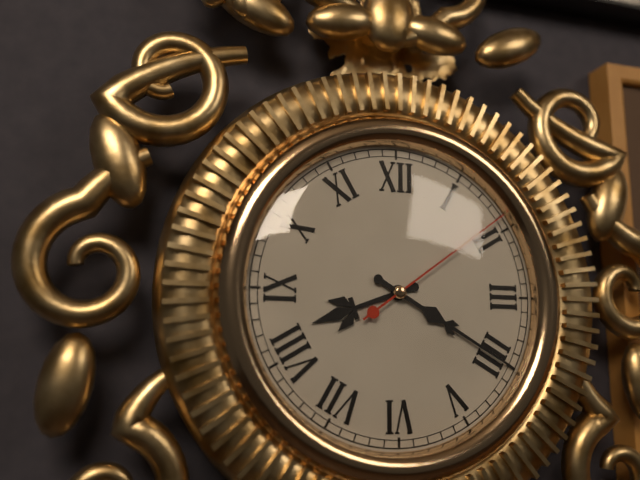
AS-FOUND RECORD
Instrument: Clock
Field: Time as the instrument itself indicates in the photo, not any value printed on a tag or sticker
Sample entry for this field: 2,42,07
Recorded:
8,20,09
